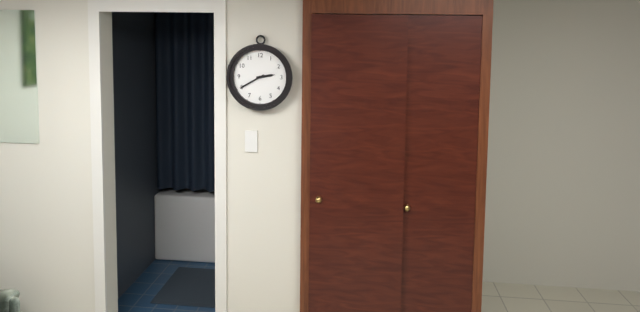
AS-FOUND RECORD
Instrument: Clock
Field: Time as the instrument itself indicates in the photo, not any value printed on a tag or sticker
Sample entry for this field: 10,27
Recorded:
2,40
